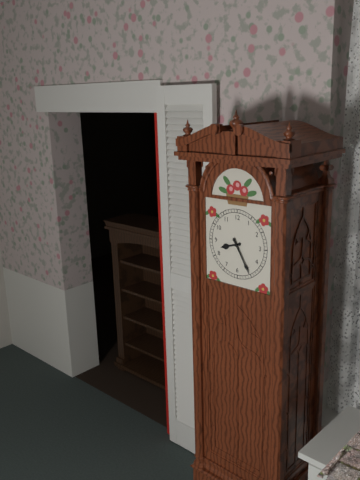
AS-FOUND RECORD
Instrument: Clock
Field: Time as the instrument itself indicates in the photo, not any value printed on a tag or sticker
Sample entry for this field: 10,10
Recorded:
8,25
